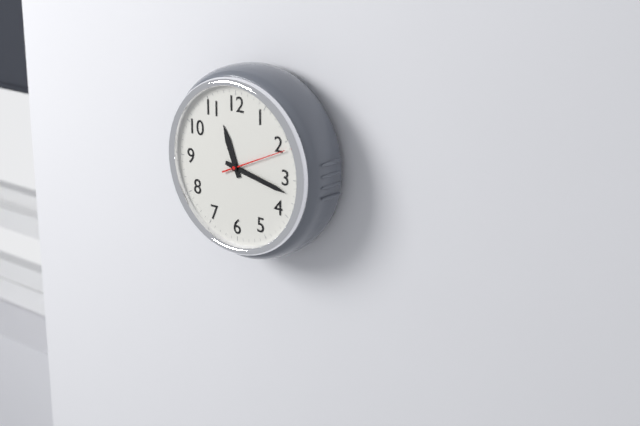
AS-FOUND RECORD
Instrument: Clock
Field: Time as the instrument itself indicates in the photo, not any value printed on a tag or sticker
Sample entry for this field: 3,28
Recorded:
11,17
